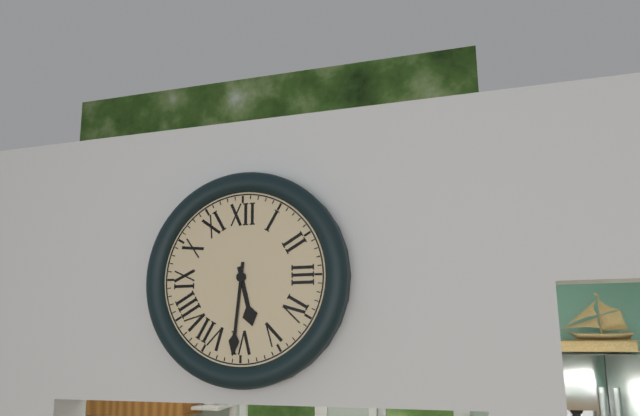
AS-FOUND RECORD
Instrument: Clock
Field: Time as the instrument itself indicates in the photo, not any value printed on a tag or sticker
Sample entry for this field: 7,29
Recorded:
5,31
